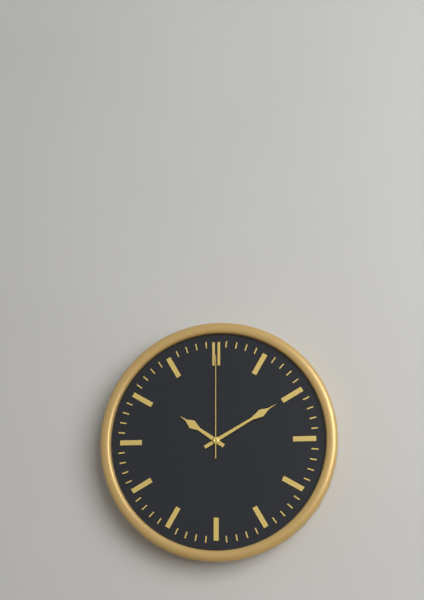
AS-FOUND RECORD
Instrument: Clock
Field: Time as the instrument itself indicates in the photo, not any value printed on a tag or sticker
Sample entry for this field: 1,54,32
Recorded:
10,10,00
